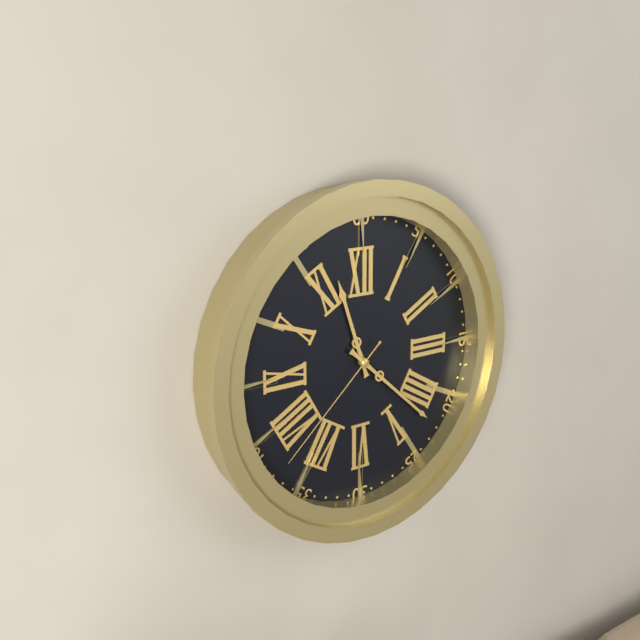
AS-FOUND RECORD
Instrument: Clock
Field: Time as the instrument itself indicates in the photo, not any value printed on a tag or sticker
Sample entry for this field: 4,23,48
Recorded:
11,22,38
